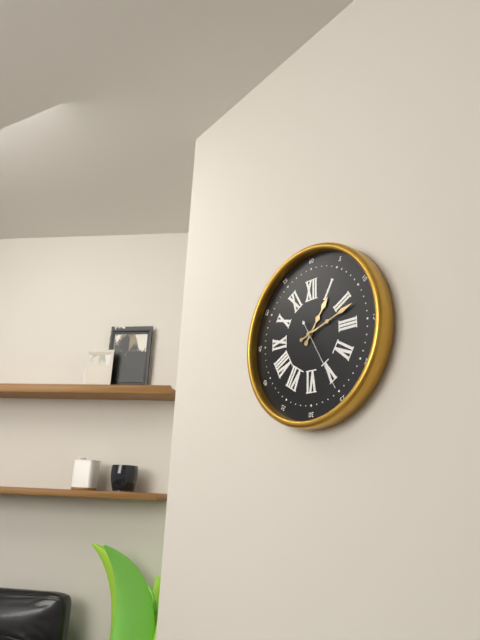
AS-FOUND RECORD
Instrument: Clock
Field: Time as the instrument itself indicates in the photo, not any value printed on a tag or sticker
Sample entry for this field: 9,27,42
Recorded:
1,12,25
